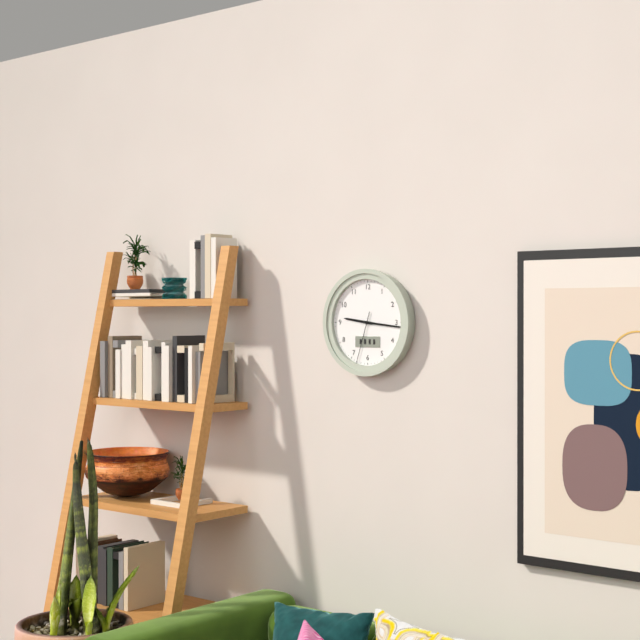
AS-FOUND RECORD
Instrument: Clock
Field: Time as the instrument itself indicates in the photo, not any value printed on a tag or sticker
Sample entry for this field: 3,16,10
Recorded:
9,16,33
